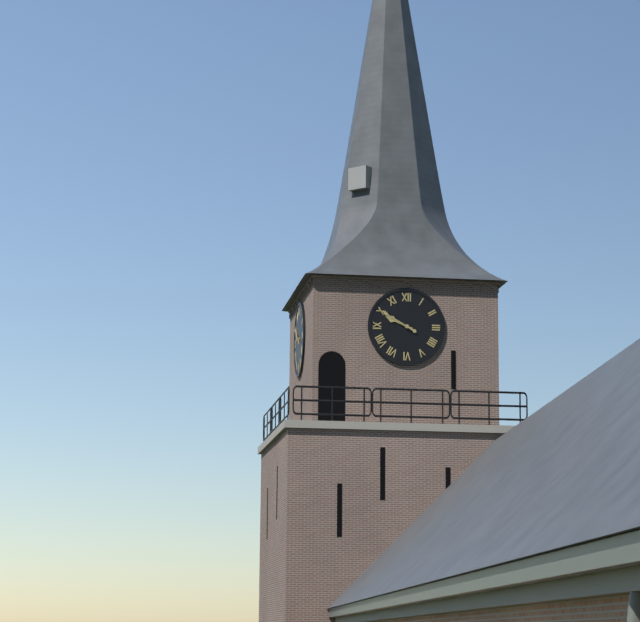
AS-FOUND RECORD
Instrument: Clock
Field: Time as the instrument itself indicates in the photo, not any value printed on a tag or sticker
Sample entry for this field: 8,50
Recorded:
9,50
